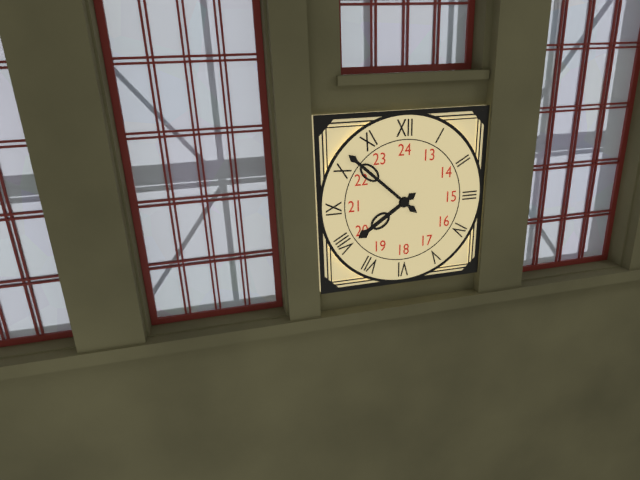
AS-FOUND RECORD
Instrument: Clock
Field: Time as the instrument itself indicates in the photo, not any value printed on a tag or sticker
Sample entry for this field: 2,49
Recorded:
7,52
